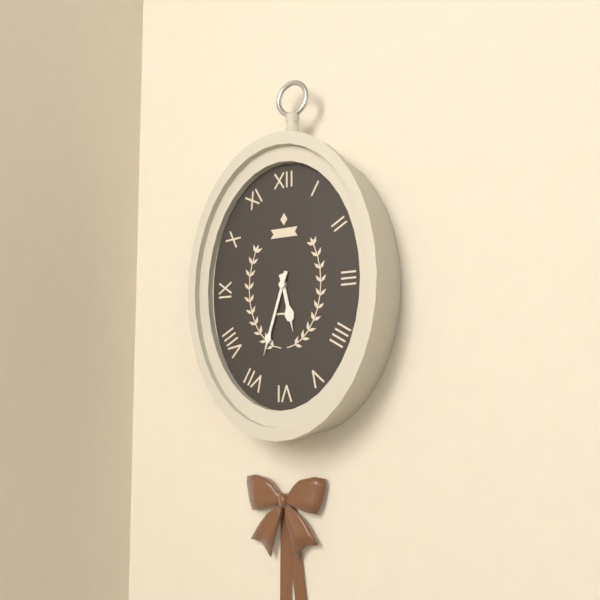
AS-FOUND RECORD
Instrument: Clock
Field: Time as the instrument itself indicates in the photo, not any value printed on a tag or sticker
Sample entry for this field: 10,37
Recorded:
5,33
